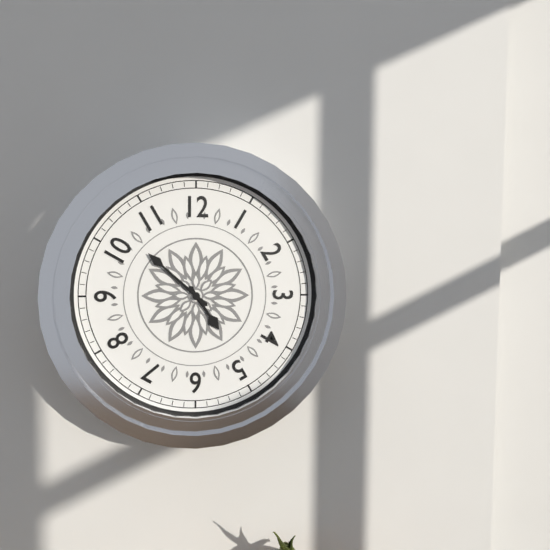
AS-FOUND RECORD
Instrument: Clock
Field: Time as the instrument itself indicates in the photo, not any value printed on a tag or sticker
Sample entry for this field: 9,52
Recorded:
4,52
